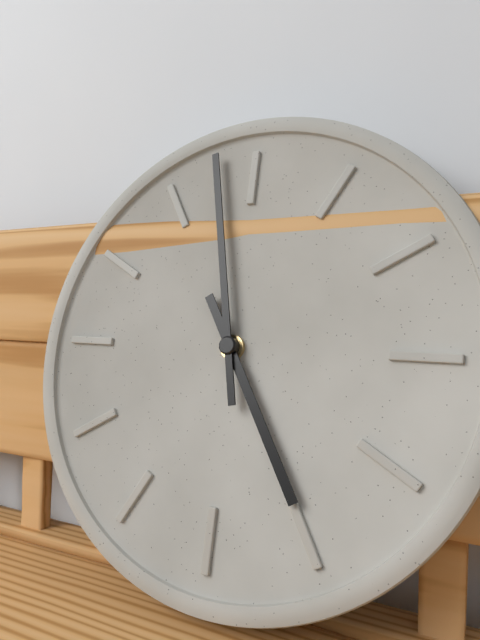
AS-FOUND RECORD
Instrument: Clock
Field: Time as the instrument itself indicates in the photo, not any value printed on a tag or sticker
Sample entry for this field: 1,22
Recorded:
4,58
